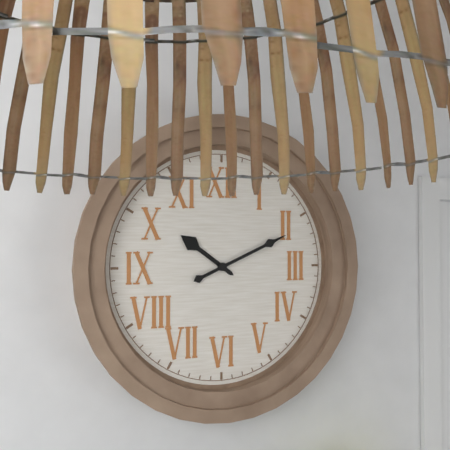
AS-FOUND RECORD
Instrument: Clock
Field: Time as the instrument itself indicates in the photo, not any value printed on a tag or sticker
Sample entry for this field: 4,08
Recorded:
10,11
